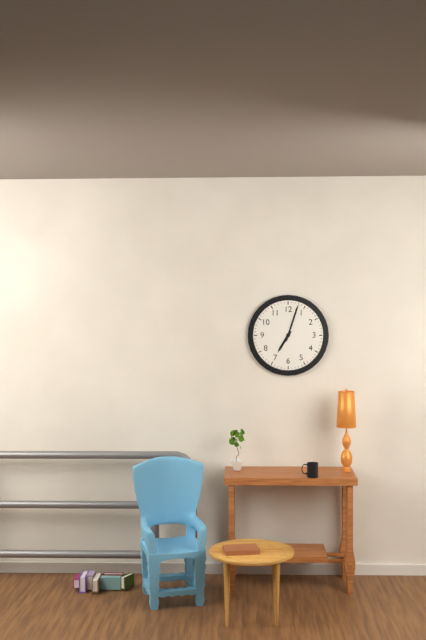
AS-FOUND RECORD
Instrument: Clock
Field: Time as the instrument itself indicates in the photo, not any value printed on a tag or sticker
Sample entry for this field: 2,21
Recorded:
7,03
